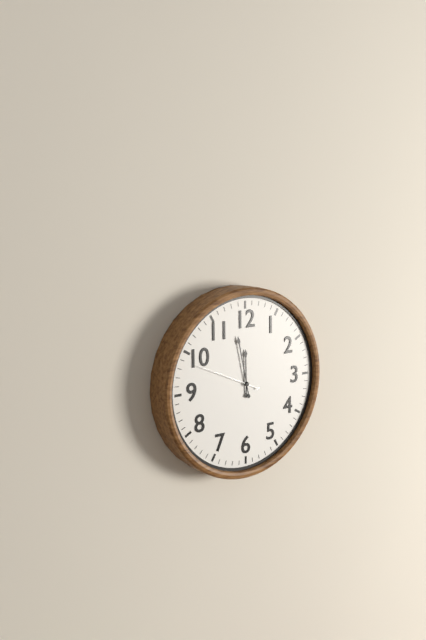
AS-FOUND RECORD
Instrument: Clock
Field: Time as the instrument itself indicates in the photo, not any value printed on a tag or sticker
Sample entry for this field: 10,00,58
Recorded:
11,58,49
